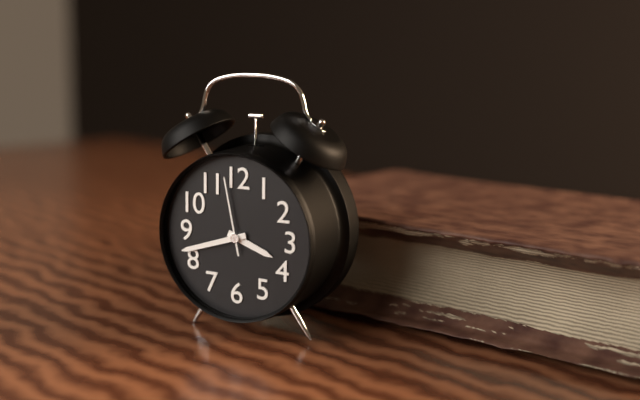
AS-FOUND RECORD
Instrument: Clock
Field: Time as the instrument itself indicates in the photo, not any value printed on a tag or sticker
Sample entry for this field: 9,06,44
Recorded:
3,42,58
